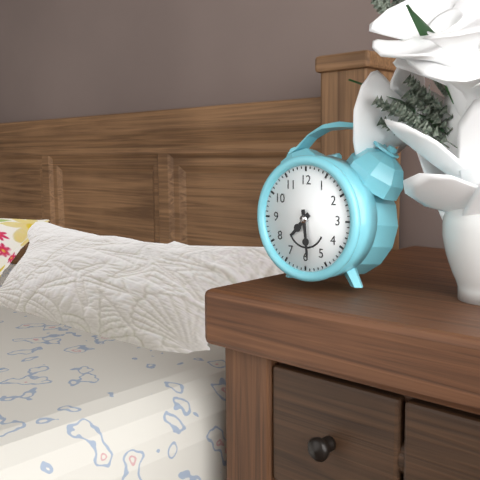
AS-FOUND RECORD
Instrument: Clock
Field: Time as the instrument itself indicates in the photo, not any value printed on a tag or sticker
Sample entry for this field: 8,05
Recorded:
7,29
